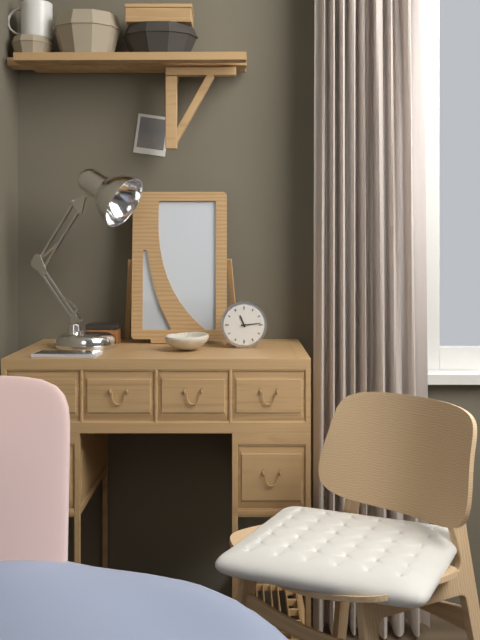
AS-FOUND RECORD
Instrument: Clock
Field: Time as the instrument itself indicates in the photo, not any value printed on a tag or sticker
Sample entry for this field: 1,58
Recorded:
11,14
